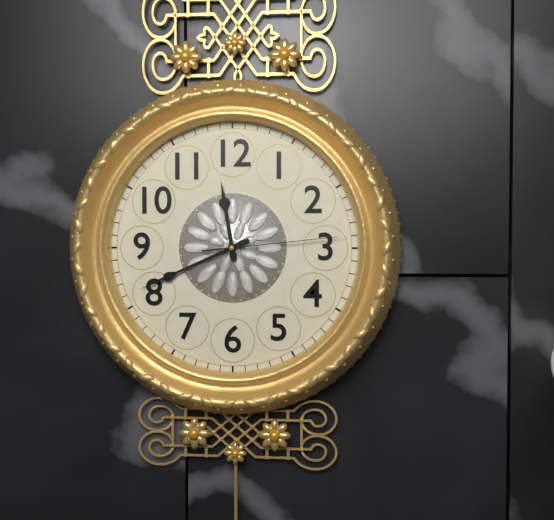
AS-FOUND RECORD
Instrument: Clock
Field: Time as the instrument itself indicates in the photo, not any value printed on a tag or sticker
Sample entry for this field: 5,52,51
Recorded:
11,41,14
